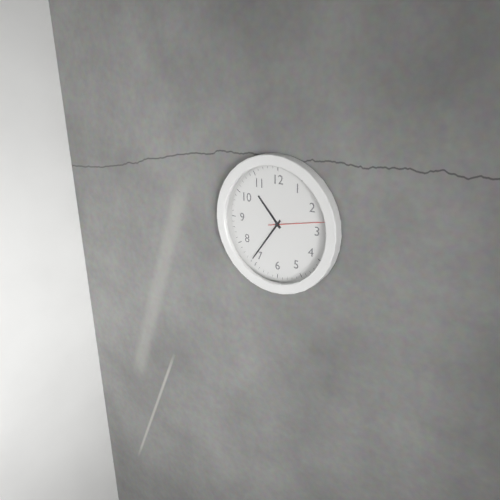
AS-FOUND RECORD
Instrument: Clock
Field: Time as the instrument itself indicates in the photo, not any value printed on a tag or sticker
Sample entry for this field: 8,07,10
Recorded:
10,36,13
